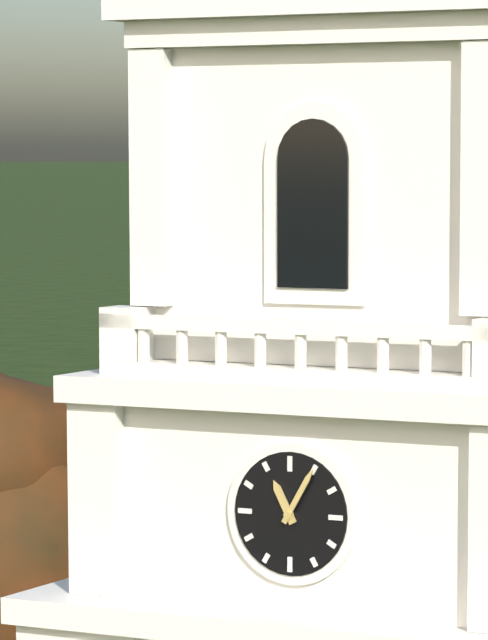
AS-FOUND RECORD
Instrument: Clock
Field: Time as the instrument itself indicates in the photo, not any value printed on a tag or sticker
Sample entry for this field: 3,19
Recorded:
11,05
